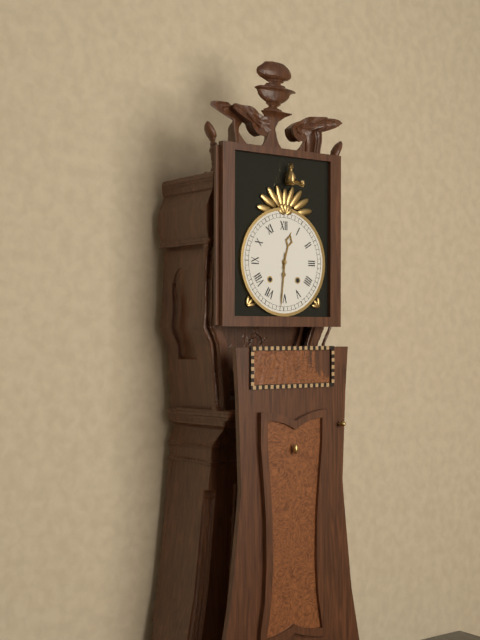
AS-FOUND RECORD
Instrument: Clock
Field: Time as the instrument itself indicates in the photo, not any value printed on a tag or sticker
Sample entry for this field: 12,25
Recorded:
12,31
